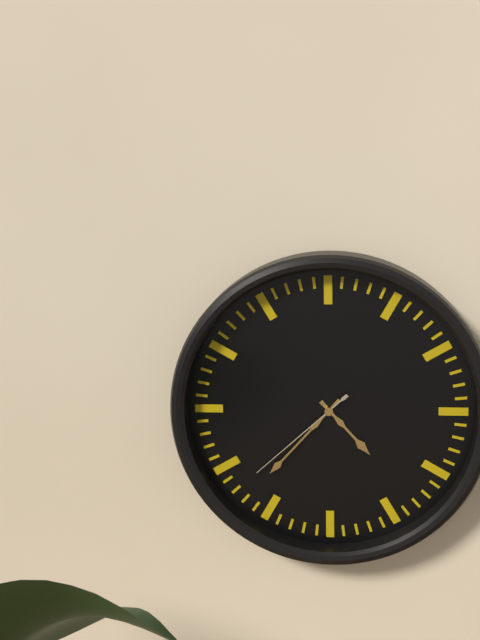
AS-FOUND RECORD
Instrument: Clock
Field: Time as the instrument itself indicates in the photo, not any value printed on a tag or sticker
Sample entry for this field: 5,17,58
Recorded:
4,37,38
